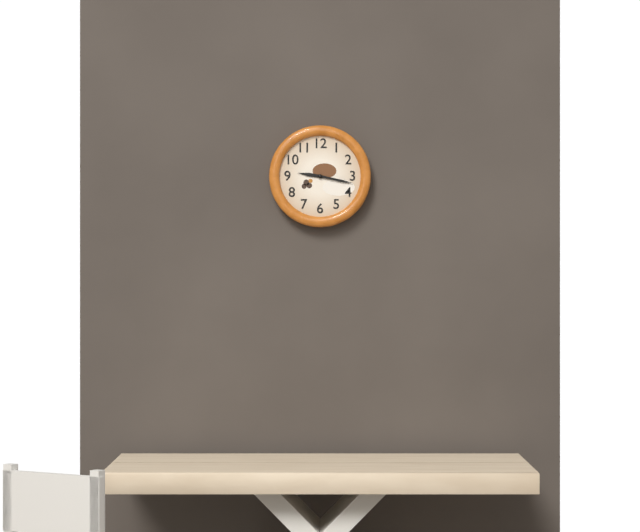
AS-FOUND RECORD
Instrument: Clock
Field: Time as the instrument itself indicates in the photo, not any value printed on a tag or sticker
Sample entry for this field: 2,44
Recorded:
9,17
